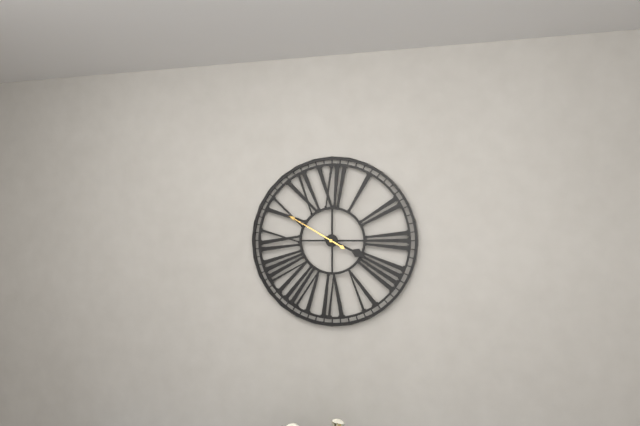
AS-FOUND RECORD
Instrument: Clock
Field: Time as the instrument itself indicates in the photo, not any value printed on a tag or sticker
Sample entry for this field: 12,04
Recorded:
3,50
